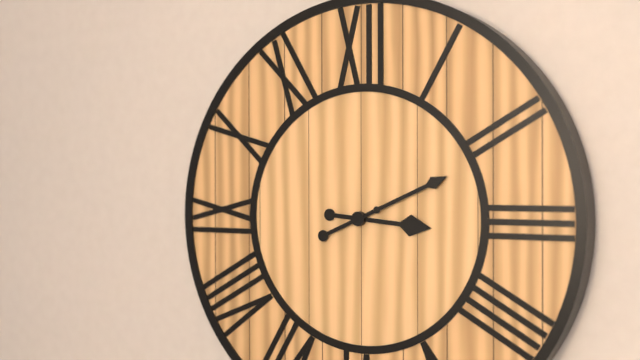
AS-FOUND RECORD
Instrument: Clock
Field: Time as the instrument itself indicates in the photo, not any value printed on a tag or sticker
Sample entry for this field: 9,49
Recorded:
3,11
